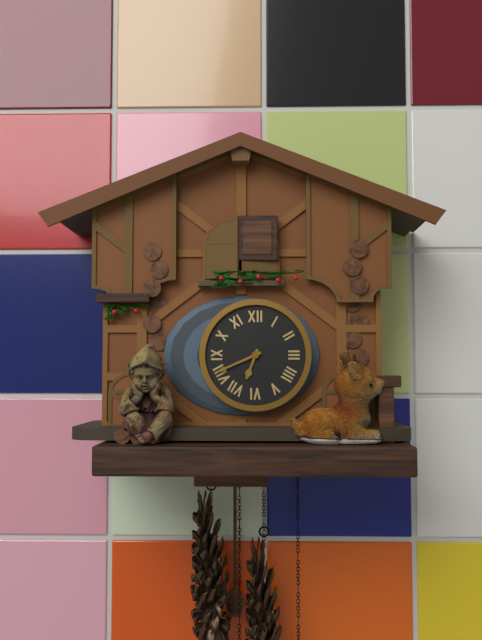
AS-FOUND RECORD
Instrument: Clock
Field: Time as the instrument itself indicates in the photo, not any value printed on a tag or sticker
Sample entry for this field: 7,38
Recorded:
6,41
